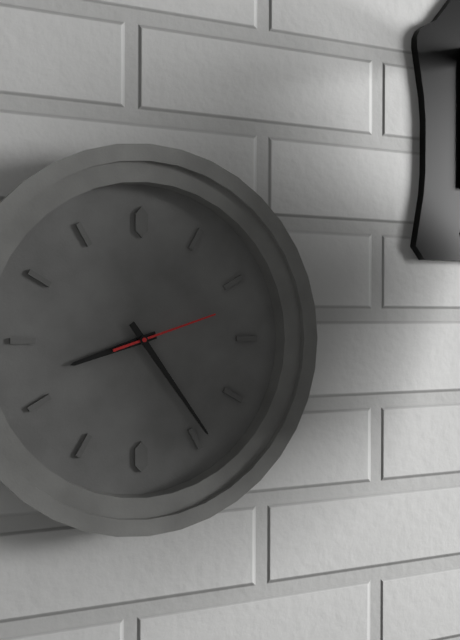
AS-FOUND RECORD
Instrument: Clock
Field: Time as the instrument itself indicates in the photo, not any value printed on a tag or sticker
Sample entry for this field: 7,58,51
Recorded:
8,24,12
